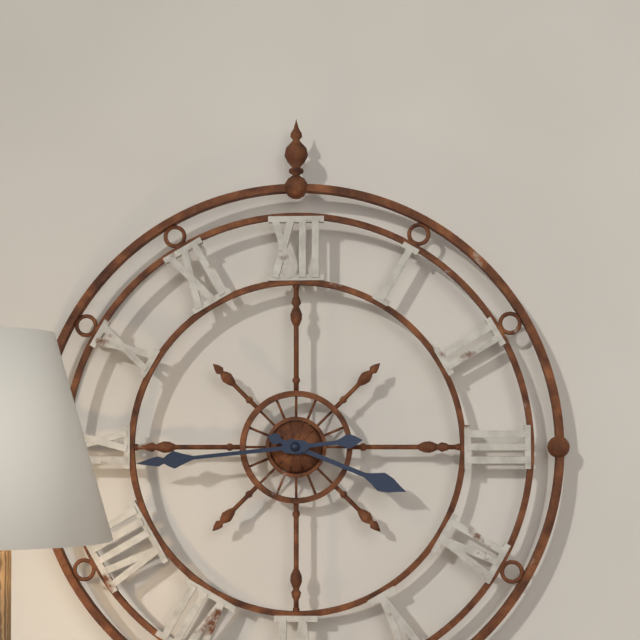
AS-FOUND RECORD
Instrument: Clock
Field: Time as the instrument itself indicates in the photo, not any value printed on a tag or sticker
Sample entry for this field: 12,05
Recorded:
3,44
